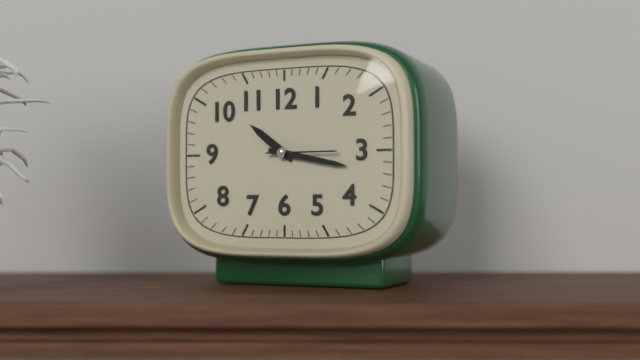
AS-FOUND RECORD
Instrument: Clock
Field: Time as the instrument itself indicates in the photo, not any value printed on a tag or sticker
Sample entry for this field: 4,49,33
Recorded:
10,17,15
